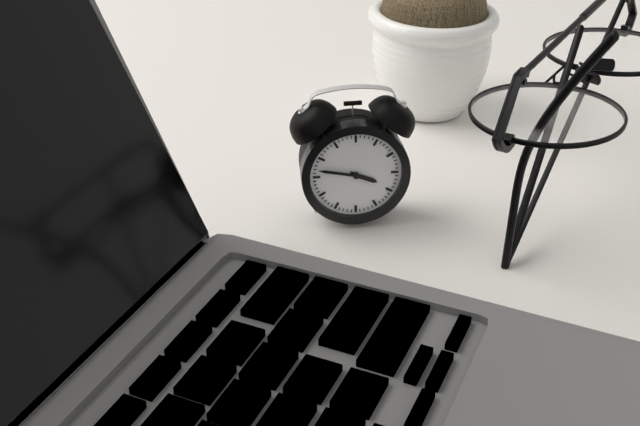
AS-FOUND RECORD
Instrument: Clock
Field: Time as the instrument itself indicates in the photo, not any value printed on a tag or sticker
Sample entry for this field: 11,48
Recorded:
3,47
